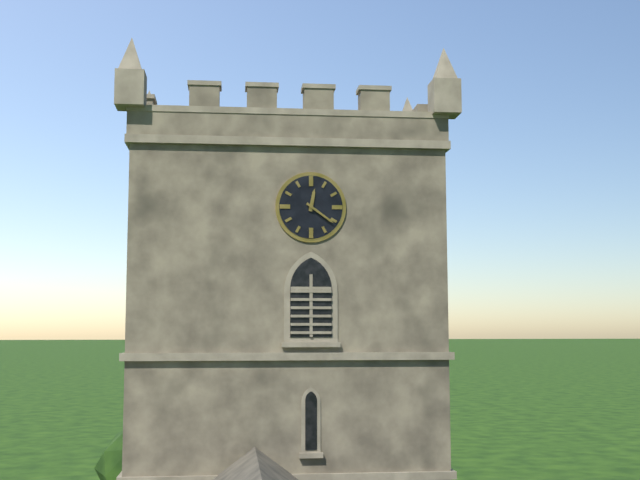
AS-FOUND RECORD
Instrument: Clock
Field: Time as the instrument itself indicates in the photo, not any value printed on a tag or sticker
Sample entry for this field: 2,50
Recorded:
12,21
